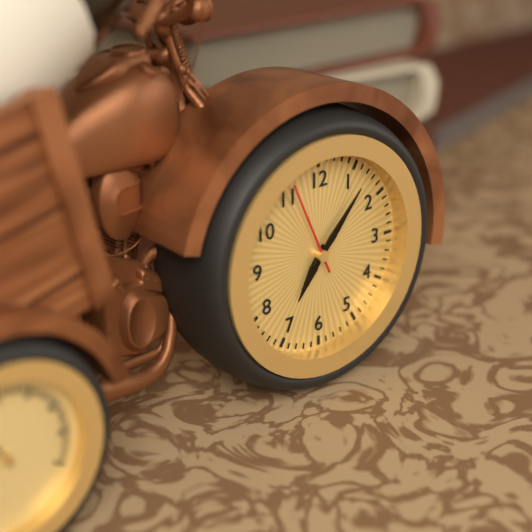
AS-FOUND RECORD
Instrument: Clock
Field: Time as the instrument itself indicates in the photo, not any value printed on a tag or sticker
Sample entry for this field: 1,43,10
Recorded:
7,07,56
